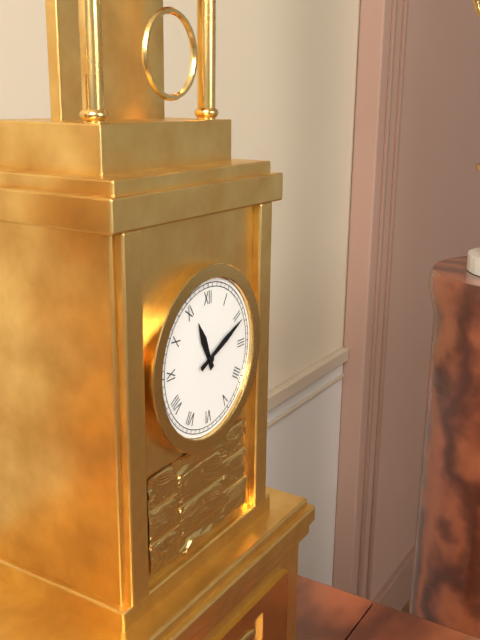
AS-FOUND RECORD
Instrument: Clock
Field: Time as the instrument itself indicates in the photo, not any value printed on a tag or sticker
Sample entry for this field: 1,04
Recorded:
11,11
